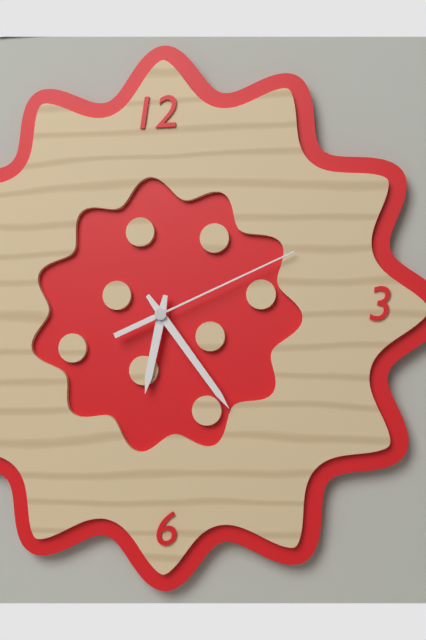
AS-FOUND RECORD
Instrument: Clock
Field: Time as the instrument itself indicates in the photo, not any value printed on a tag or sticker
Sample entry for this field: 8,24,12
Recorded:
6,24,11
